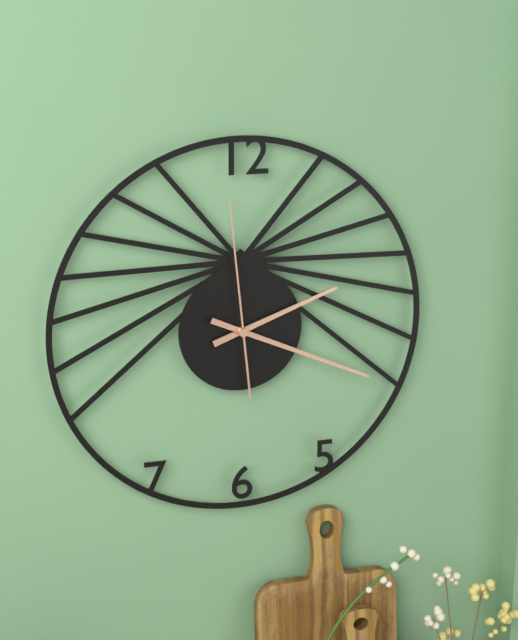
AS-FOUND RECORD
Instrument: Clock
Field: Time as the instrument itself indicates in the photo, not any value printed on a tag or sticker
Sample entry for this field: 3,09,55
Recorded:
2,19,59
